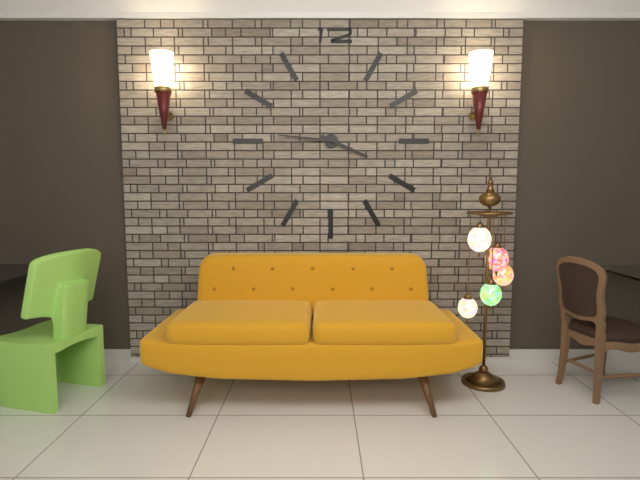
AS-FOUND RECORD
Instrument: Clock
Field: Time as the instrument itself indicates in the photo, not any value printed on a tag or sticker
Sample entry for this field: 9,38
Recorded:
3,46
